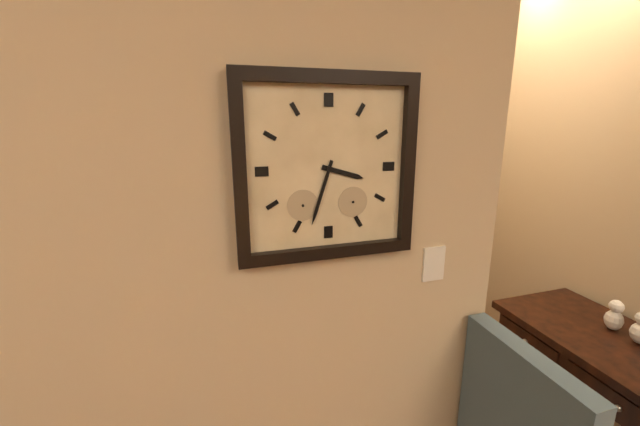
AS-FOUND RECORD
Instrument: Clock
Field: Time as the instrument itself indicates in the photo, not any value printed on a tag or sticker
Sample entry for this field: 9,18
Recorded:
3,33
